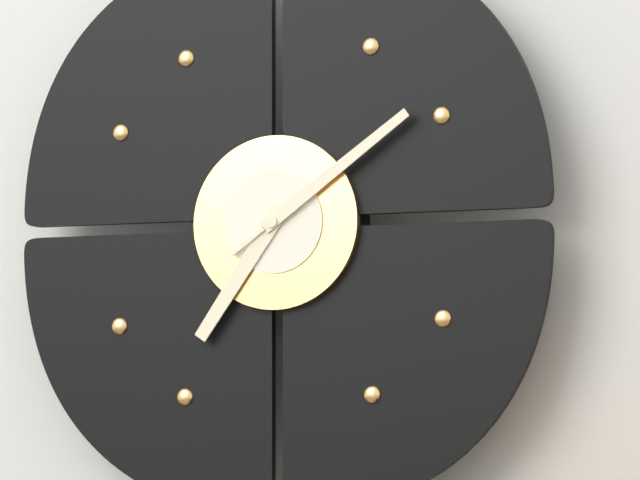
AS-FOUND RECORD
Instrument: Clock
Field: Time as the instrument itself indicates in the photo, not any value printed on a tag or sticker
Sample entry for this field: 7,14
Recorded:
7,09
